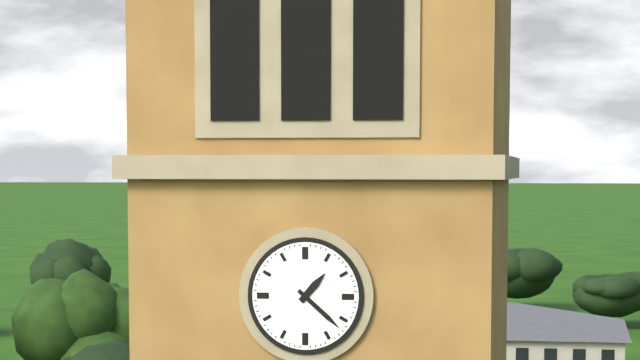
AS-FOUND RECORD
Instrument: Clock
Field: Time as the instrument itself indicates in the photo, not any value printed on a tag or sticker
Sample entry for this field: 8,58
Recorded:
1,22
